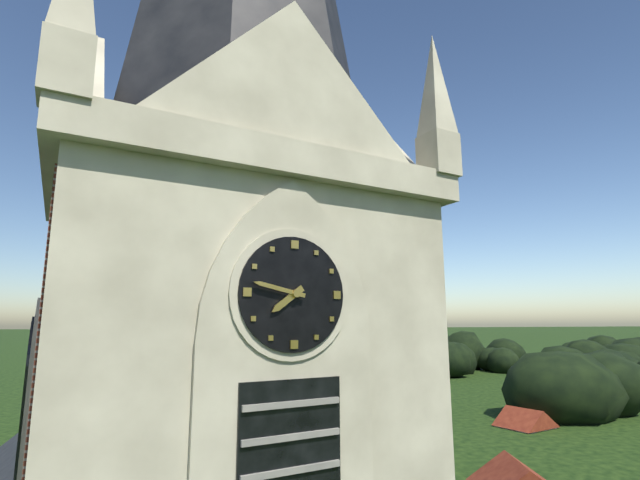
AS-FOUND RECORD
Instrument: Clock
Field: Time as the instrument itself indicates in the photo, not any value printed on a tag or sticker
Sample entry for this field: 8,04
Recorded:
7,47
